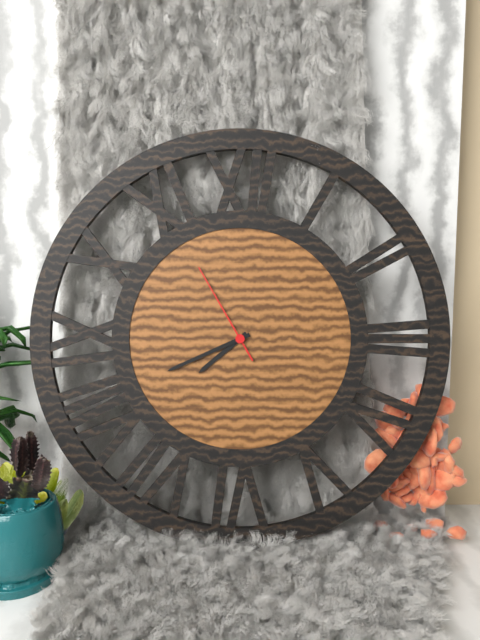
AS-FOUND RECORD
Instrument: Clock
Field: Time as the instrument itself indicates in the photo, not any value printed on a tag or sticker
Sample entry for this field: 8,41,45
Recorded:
7,41,55
